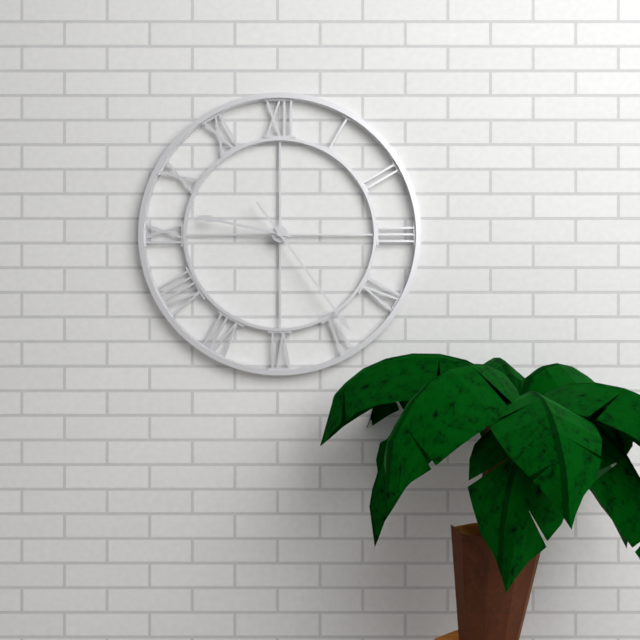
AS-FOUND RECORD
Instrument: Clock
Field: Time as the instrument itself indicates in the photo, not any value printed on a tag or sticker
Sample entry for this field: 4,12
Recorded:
9,24
